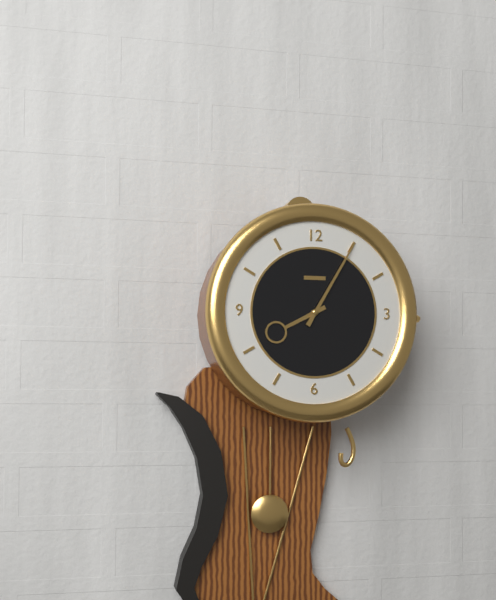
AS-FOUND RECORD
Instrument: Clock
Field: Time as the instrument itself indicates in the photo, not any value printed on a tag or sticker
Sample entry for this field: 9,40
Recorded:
8,05
